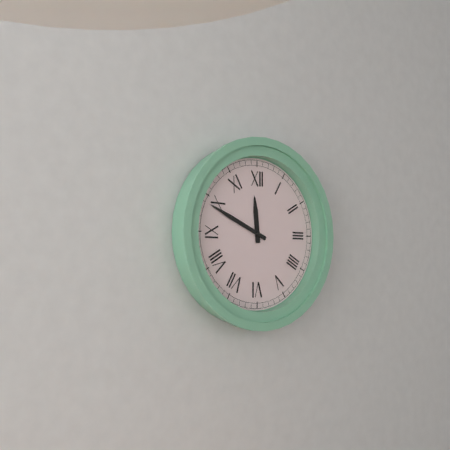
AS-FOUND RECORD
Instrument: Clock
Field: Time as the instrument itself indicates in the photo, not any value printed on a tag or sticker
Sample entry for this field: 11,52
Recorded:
11,49
